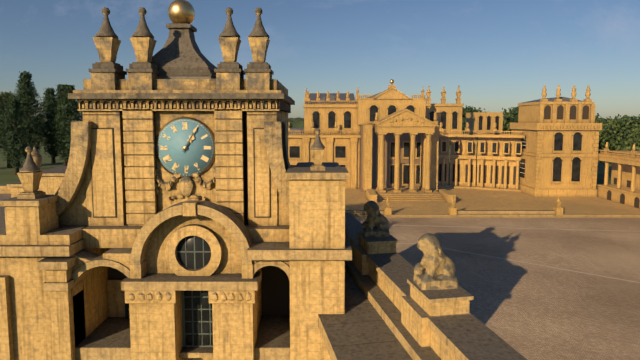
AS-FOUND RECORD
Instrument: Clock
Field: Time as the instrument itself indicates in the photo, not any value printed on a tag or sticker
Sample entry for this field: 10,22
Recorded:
1,05
